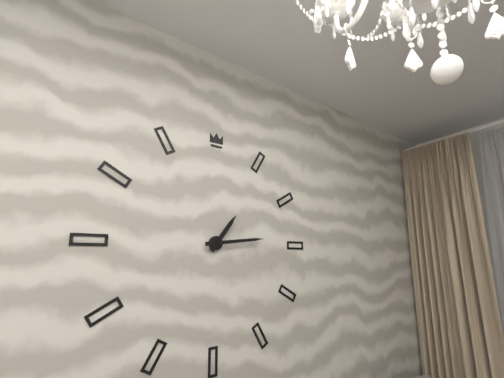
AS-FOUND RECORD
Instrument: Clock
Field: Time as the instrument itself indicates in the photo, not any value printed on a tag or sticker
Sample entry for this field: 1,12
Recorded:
1,14
